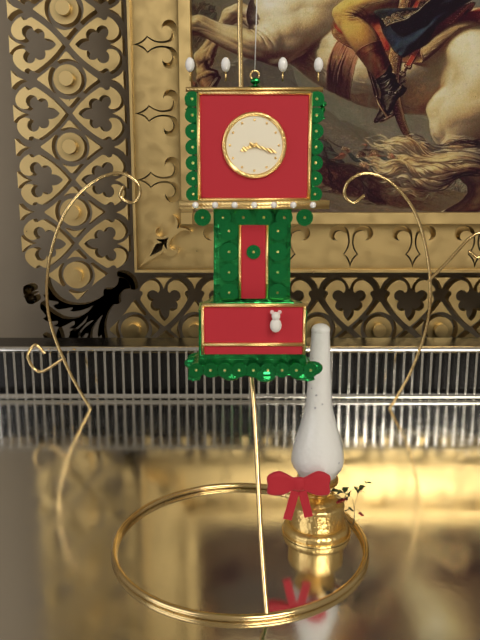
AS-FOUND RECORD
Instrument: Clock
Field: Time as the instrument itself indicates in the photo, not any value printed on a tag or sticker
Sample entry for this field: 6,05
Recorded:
8,18
